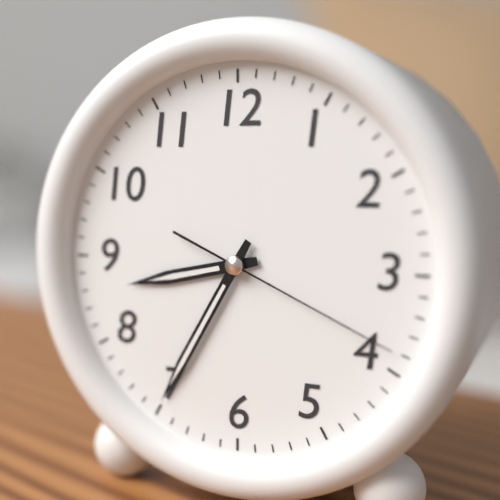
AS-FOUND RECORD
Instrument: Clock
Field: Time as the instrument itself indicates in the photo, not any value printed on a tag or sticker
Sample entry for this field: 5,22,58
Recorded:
8,35,19
